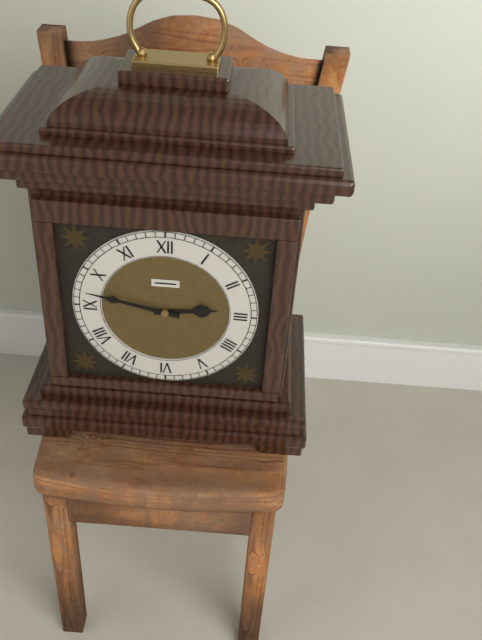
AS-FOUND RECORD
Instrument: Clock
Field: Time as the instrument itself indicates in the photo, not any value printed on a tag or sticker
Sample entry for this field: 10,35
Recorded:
2,47
